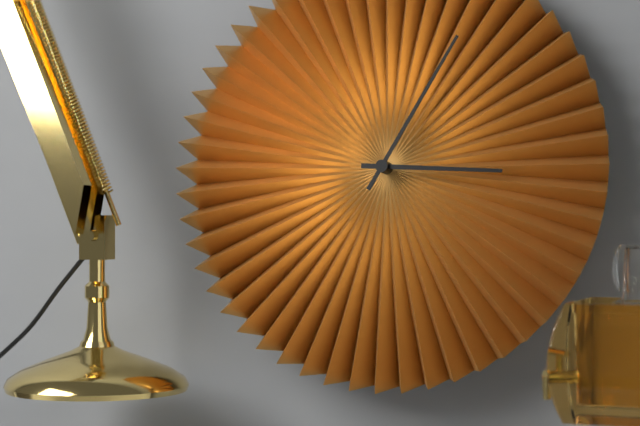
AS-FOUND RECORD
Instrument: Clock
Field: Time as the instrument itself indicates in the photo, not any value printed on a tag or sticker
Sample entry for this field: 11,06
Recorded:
3,05
